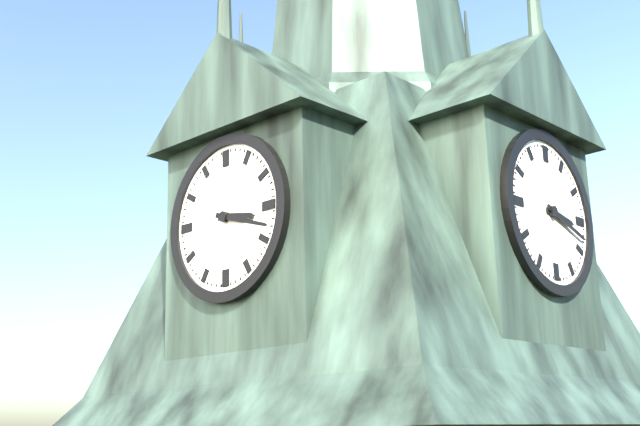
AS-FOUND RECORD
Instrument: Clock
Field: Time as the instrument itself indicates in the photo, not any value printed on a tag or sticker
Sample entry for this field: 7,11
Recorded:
3,18
